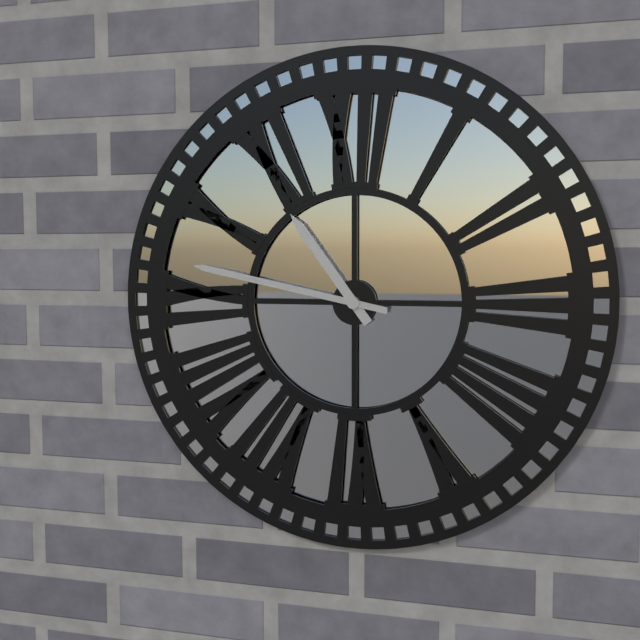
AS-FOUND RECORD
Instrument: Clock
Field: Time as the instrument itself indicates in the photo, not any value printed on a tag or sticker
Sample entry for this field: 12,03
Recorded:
10,47
